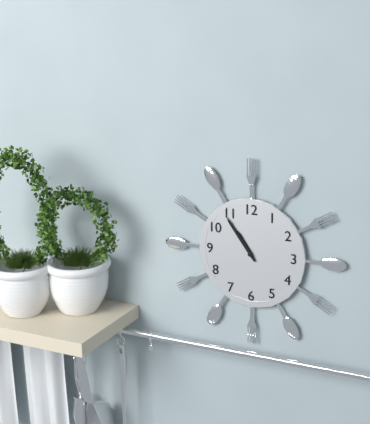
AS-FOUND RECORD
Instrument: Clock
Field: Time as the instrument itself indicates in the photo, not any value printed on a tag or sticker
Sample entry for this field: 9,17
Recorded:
10,54
